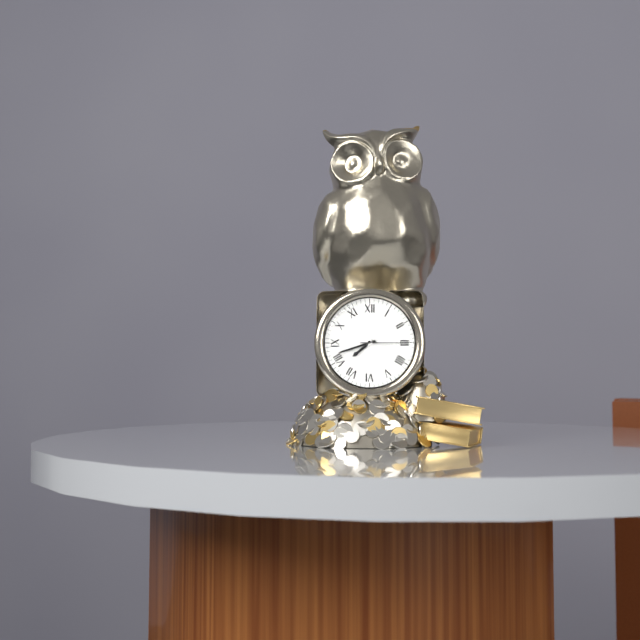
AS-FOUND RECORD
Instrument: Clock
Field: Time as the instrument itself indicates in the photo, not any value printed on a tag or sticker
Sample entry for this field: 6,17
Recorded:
7,42
